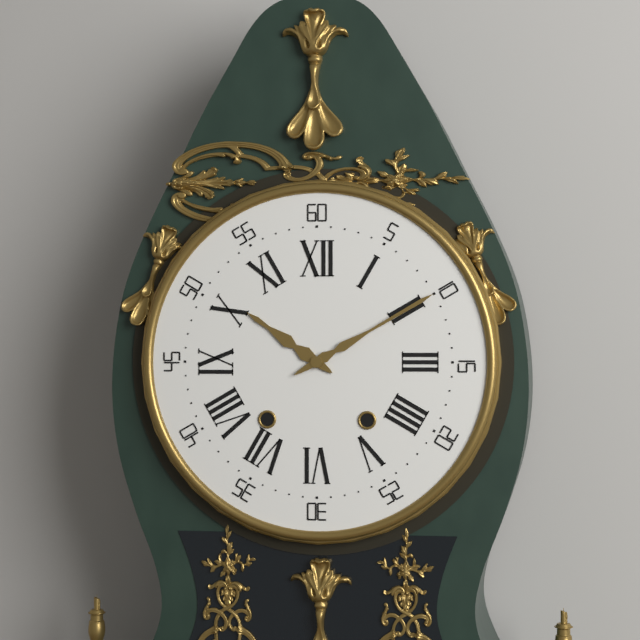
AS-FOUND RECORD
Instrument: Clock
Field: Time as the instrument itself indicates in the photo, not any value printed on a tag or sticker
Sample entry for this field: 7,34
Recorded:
10,10
